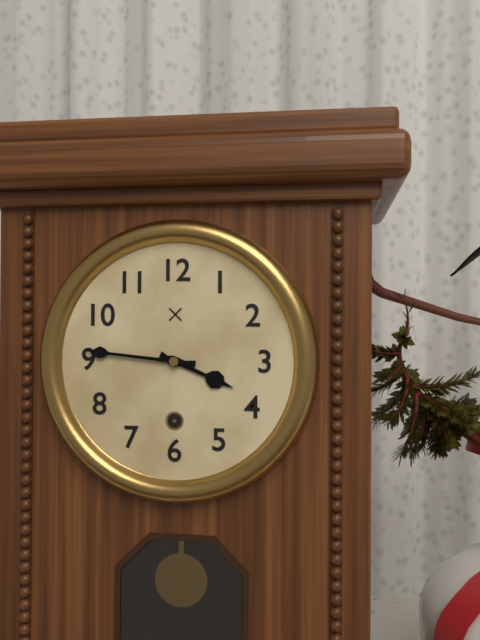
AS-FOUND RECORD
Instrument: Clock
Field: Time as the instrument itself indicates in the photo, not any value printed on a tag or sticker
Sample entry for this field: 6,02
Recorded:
3,46
